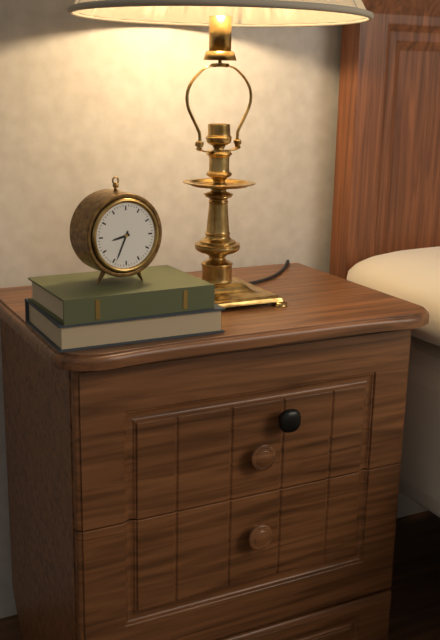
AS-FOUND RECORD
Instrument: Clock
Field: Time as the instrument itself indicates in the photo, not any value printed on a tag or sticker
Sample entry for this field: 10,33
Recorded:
8,34
